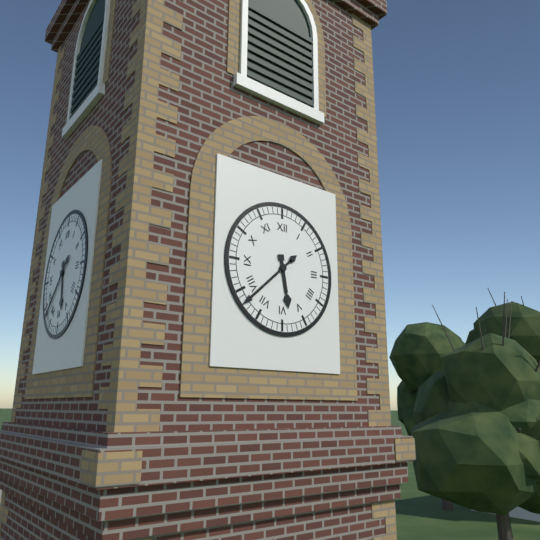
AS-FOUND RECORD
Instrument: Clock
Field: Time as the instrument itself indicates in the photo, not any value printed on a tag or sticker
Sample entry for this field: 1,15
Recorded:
5,38
